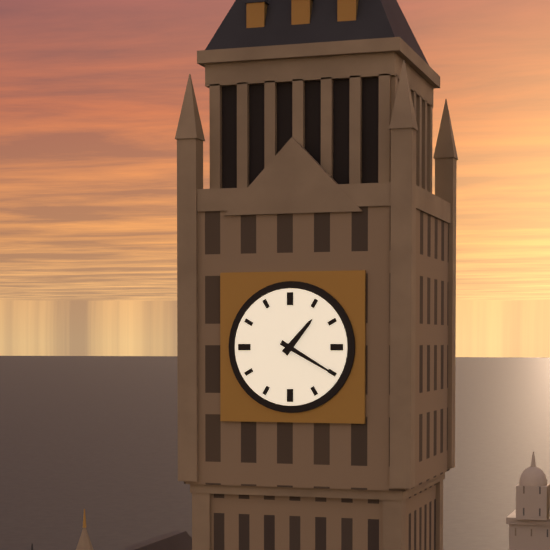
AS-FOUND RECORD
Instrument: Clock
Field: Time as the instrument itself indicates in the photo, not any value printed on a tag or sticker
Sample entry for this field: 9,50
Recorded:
1,20
